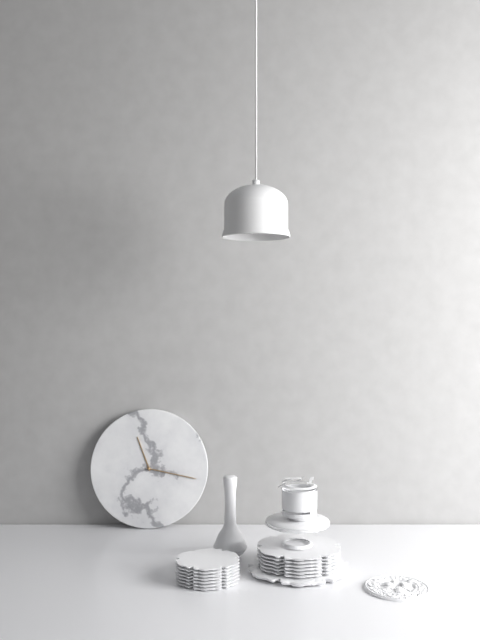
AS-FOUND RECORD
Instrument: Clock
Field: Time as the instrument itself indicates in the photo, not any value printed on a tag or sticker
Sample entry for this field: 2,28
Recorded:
11,17
